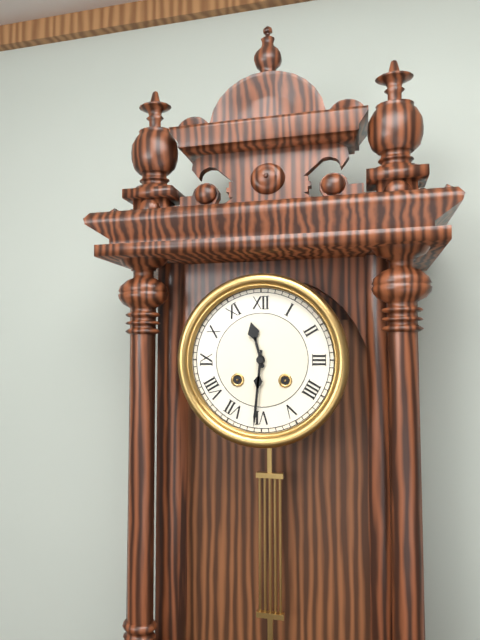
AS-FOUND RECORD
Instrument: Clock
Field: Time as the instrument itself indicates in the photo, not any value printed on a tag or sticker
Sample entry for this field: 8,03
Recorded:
11,31
